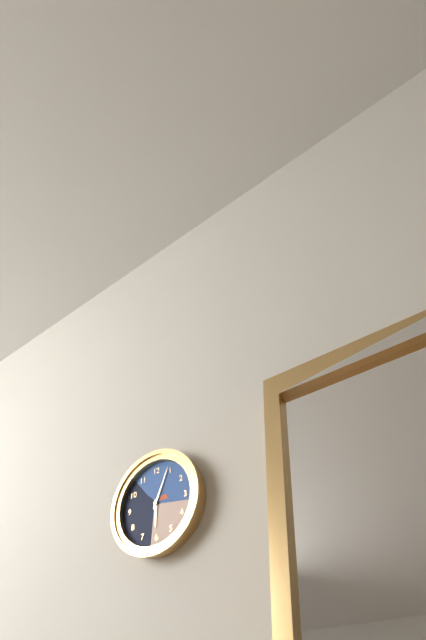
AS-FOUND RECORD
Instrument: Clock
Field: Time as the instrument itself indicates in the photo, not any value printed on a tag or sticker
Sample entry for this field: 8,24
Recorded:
6,04
